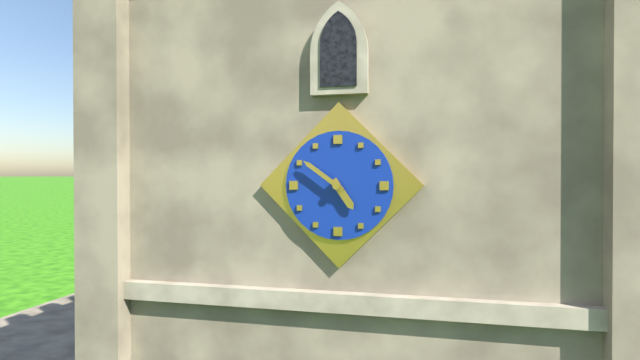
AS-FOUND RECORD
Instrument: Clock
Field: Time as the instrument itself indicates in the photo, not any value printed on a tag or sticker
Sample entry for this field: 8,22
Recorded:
4,51
